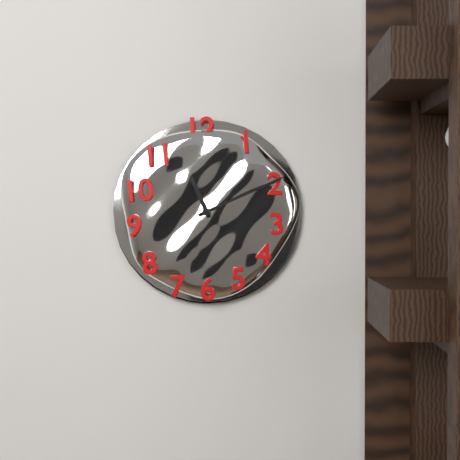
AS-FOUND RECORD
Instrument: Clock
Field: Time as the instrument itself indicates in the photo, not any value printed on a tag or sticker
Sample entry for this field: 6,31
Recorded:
11,11
